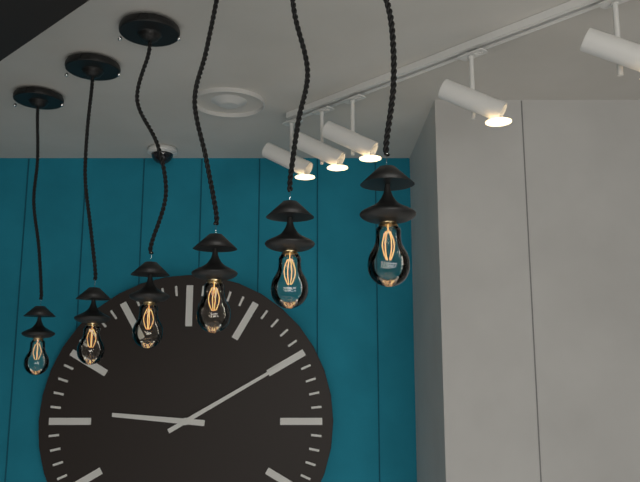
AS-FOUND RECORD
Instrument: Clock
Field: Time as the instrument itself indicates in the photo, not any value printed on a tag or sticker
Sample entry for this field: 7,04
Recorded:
9,10
